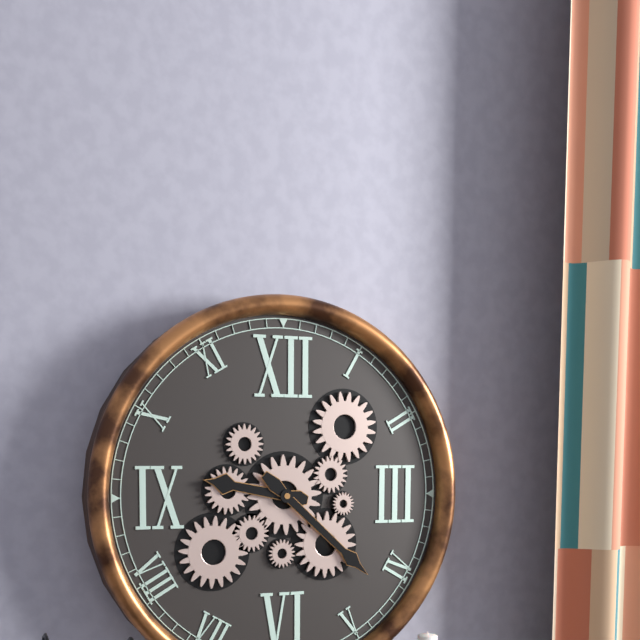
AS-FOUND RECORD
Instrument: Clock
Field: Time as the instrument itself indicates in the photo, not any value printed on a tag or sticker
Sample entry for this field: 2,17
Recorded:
9,22
